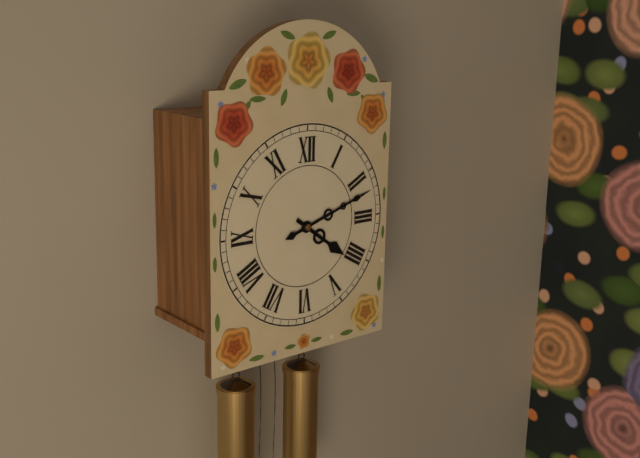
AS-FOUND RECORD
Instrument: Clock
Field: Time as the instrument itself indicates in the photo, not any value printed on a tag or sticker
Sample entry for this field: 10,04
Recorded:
4,12
